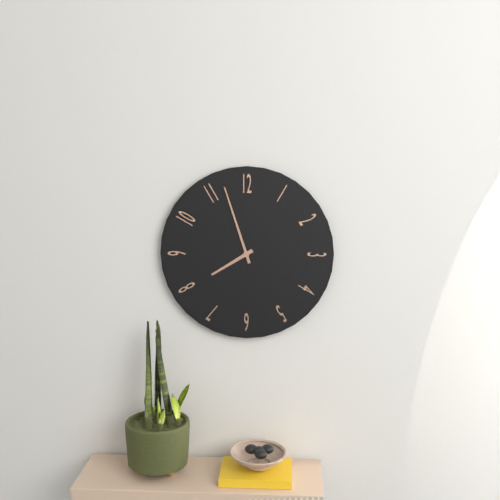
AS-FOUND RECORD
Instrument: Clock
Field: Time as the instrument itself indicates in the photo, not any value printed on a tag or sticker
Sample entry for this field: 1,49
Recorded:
7,57
